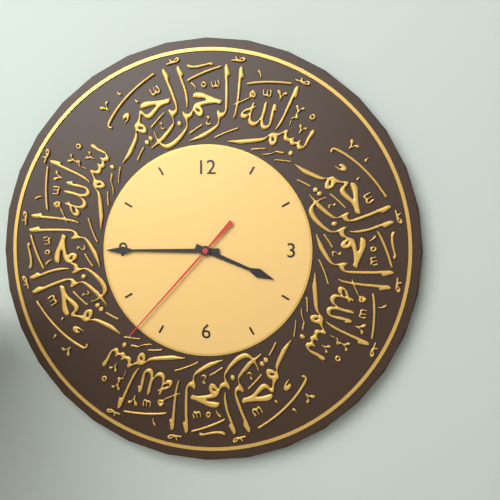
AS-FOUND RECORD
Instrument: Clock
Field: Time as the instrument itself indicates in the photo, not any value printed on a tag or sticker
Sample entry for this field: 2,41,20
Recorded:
3,45,37
